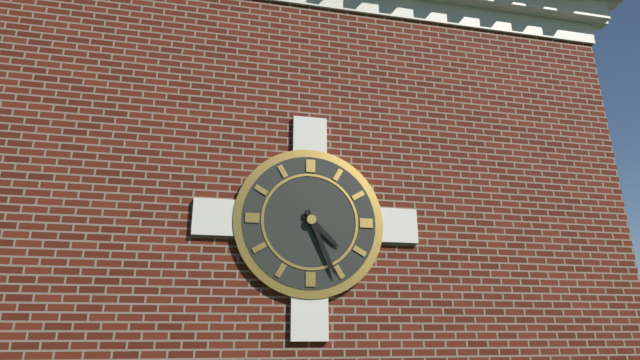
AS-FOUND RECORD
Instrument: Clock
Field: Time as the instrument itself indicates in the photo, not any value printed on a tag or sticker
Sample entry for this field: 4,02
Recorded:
4,26
